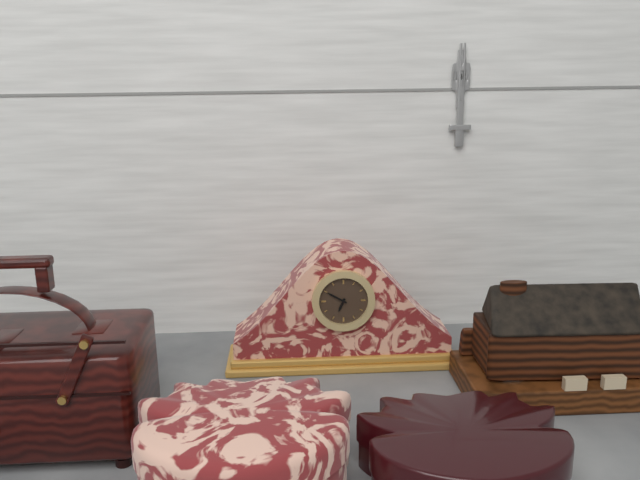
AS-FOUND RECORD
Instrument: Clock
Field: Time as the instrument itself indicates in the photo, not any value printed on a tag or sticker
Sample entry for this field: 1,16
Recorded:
6,50
